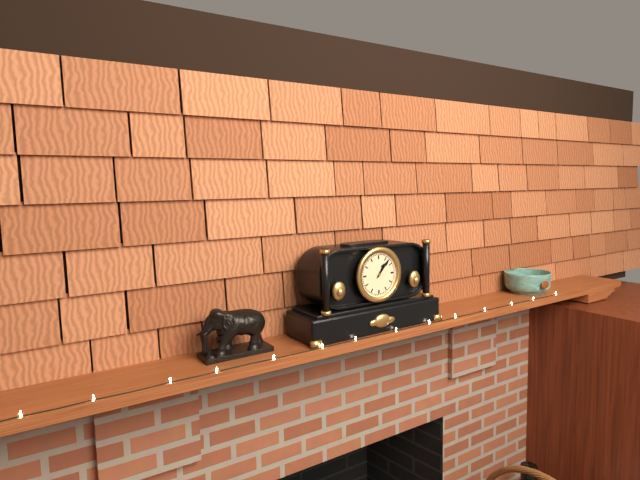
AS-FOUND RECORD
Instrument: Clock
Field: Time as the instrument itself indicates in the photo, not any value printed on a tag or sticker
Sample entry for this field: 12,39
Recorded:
1,07
